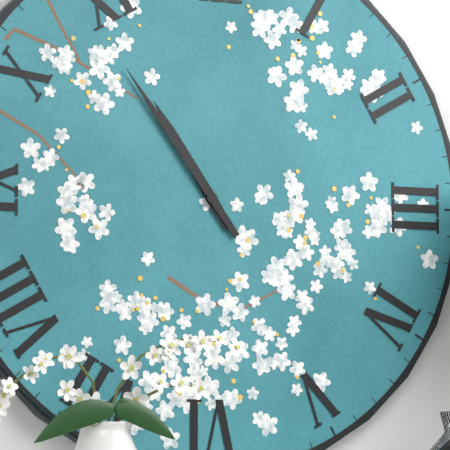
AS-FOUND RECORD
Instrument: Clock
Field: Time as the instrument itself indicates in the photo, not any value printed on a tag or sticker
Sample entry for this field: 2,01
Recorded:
10,54
